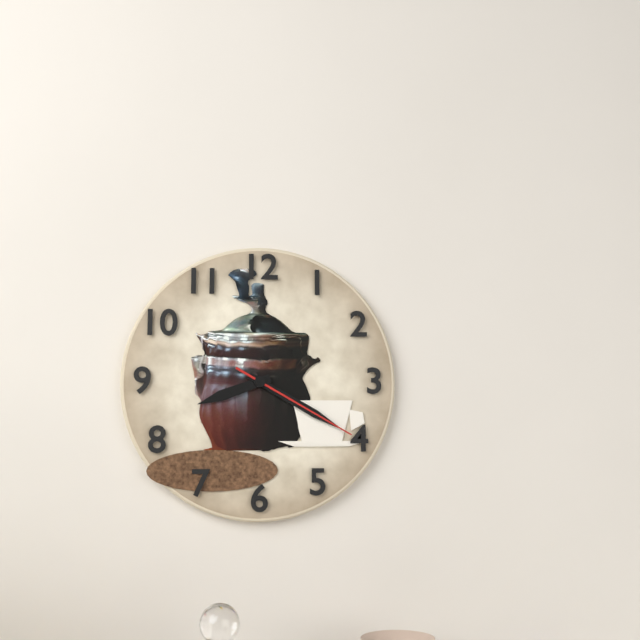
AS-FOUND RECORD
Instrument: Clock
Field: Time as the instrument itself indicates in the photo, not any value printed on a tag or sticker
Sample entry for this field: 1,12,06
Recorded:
8,20,20
